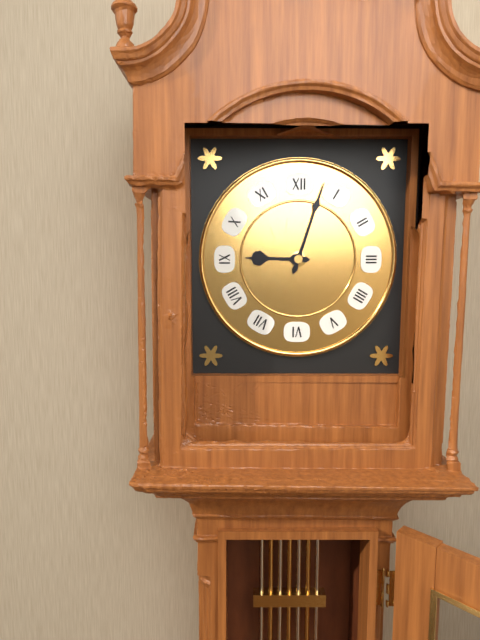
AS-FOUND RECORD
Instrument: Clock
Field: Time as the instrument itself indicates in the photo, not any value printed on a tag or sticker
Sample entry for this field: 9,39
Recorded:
9,03
